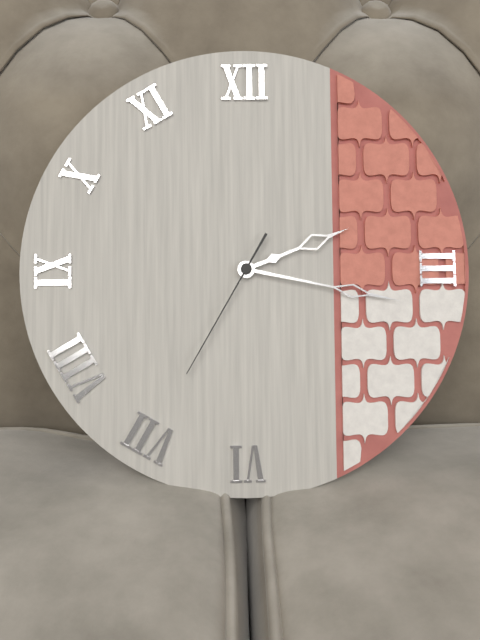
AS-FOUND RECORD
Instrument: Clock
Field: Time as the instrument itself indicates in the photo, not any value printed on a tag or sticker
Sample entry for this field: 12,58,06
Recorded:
2,17,35
